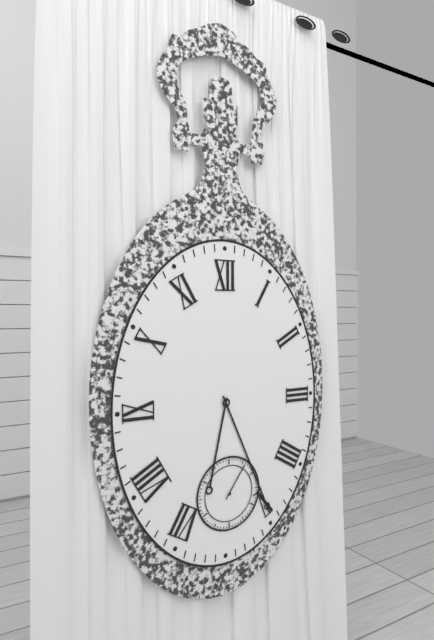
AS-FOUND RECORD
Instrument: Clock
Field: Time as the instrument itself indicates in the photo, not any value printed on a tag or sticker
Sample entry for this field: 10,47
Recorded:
6,26
